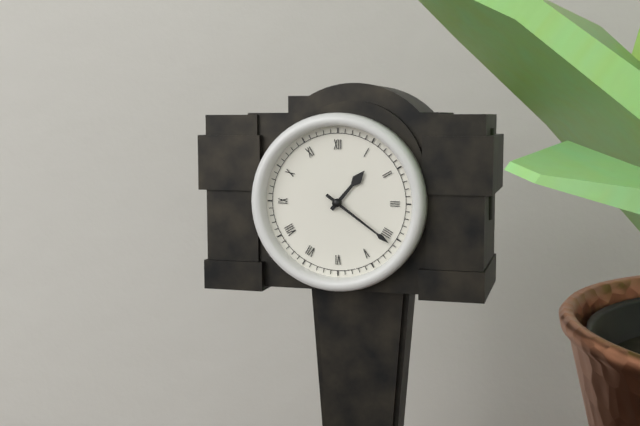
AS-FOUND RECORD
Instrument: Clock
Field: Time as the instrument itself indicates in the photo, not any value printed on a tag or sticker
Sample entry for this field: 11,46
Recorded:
1,21
